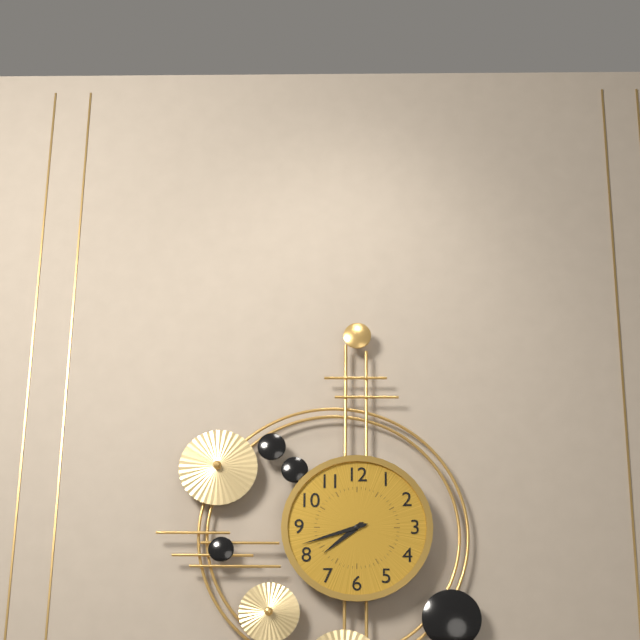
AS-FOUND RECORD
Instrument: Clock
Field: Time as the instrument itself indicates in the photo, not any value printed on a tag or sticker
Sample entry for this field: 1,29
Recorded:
7,42
